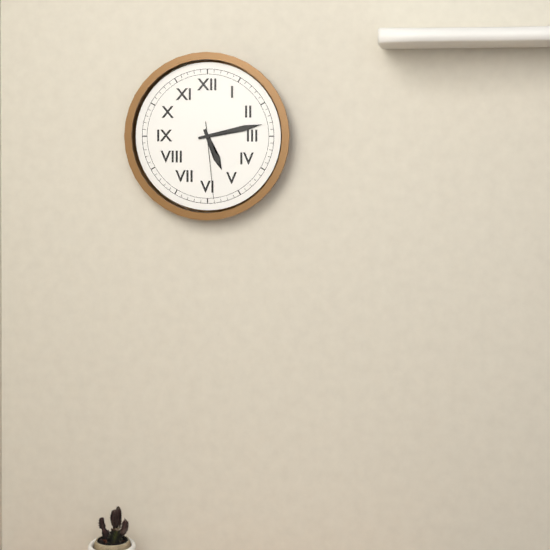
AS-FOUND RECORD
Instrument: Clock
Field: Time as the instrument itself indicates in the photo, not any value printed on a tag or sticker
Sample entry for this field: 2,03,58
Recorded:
5,13,29
